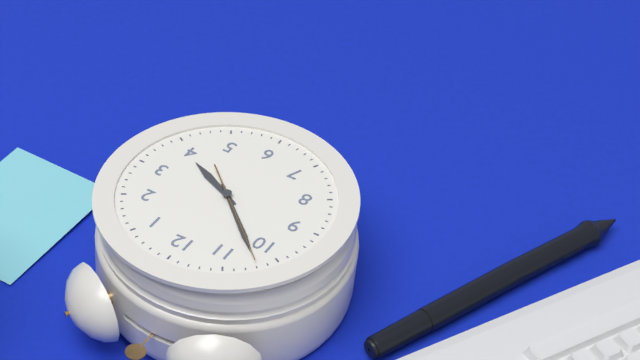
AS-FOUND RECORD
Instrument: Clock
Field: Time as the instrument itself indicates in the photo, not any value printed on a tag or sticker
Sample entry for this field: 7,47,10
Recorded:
3,52,52
